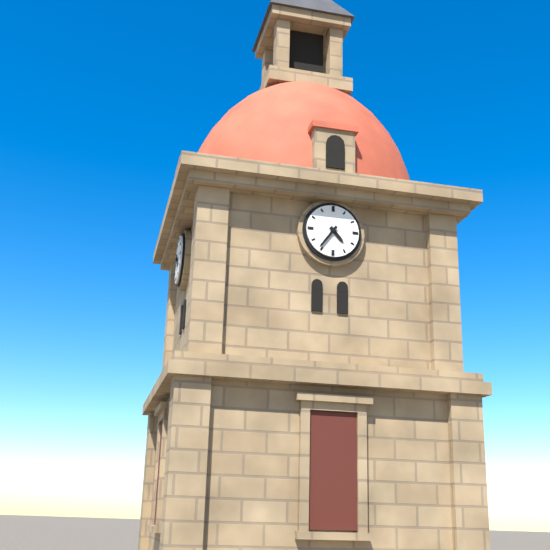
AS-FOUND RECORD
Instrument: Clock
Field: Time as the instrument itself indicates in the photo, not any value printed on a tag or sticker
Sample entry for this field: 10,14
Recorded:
4,36
